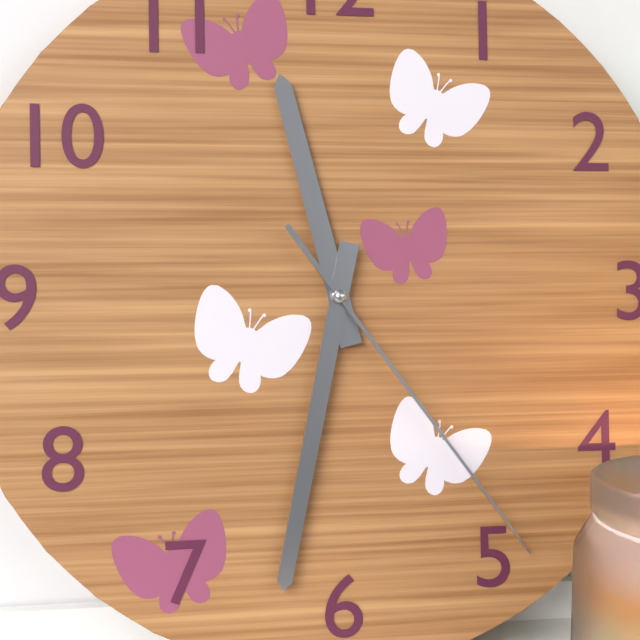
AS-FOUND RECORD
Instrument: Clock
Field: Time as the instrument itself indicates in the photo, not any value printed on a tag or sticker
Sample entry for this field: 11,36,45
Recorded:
11,32,24
